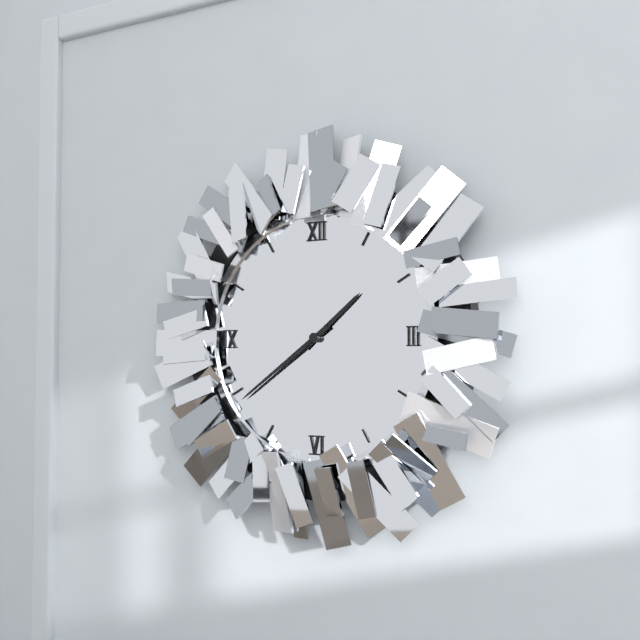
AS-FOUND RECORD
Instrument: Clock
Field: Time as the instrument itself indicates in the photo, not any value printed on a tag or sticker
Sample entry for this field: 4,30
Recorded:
1,39
